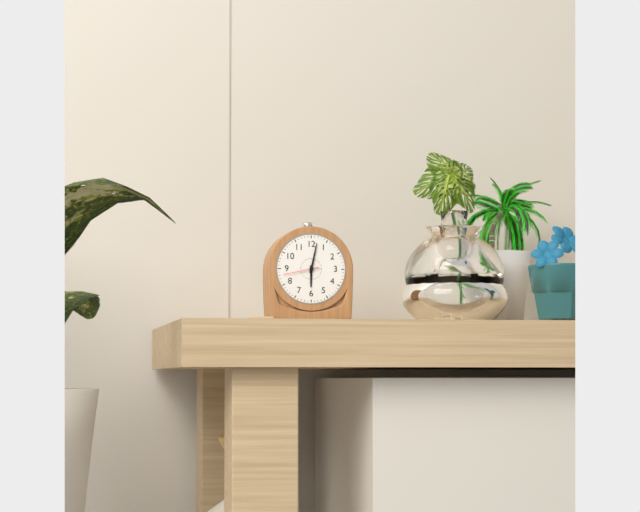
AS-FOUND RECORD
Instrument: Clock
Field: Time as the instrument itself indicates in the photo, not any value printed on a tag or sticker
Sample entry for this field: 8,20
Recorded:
6,02
